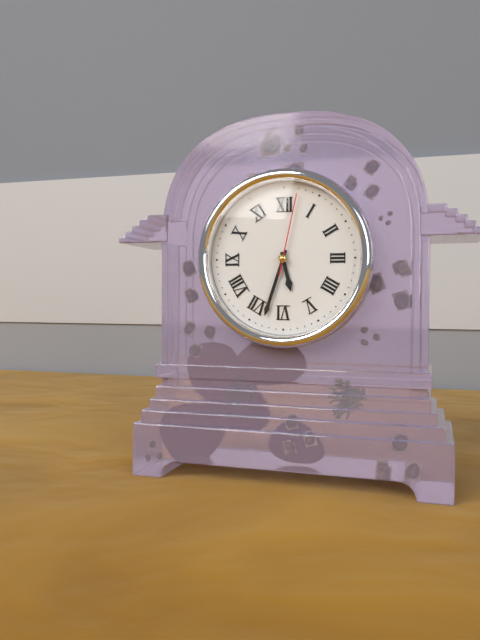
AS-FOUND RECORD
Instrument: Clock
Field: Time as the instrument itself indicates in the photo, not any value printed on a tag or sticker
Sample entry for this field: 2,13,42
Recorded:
5,33,02
